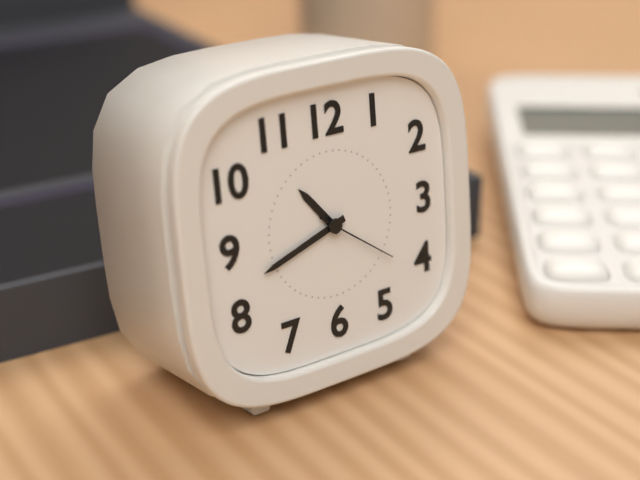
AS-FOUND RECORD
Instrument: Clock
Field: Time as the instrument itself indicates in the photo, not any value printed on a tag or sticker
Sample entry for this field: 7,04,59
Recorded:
10,42,21
